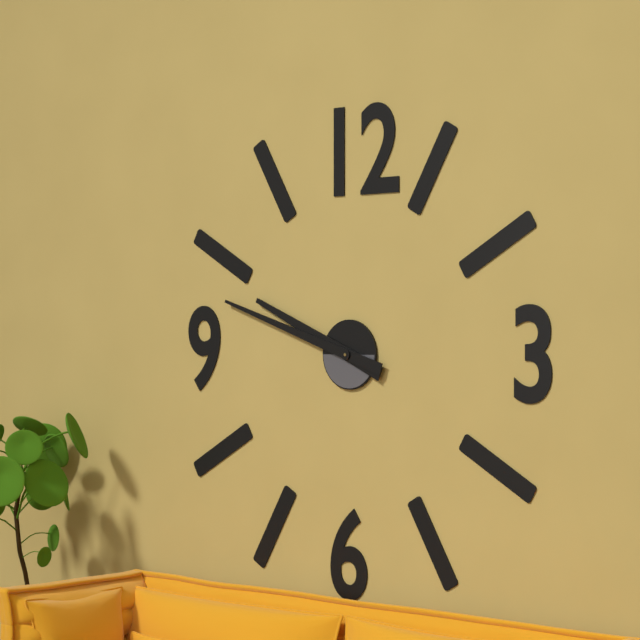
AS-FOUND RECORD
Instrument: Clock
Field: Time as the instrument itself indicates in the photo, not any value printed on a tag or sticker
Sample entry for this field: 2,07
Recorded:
9,48
